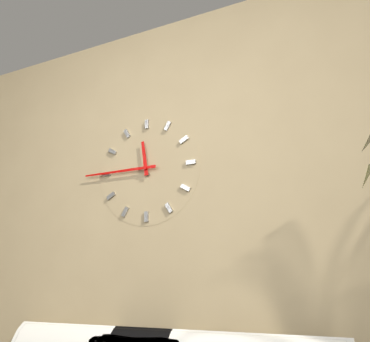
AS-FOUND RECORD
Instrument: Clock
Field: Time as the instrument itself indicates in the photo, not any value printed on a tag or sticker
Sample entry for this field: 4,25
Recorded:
11,45
